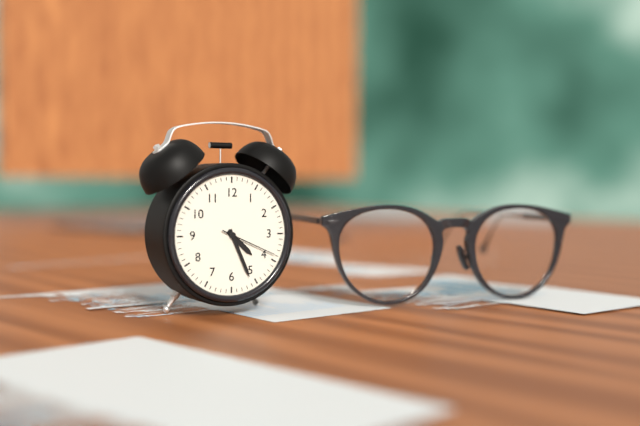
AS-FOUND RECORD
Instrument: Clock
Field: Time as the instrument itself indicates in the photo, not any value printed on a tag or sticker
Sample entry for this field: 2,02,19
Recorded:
4,26,19
